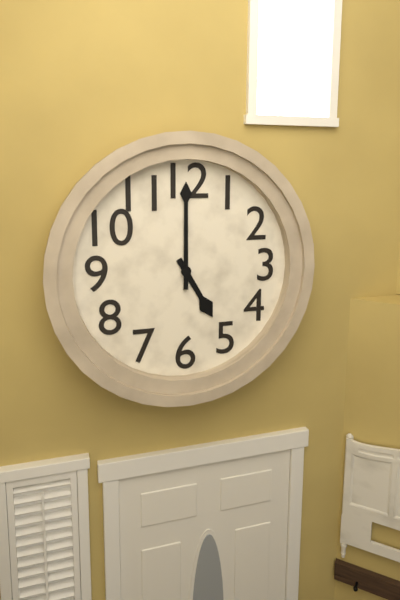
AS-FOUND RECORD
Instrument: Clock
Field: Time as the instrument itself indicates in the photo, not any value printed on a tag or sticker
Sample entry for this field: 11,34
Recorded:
5,00
